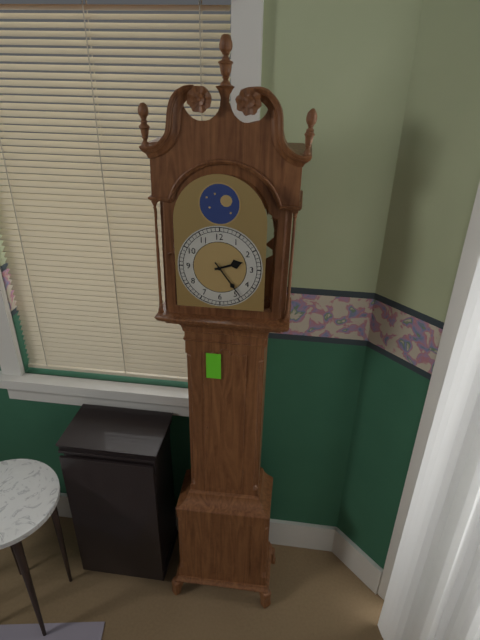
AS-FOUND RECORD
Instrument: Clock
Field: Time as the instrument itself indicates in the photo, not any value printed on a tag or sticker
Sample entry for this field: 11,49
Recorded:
2,24
